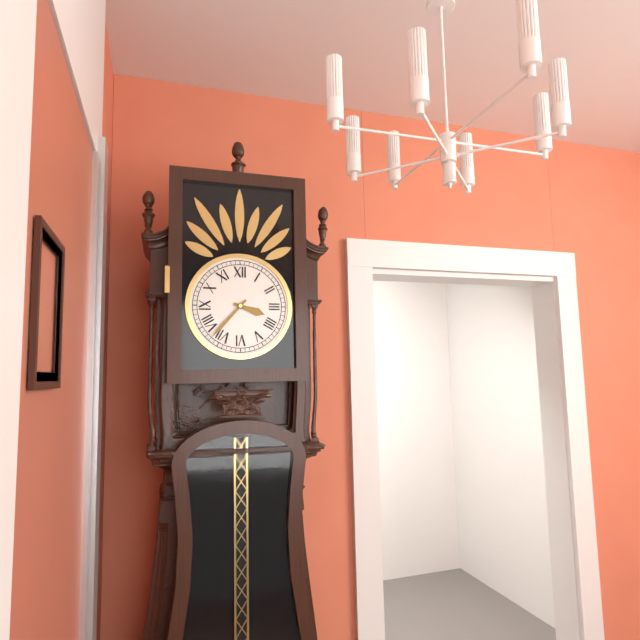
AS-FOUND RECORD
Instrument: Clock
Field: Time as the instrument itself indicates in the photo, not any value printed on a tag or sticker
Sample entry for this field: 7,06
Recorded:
3,37
